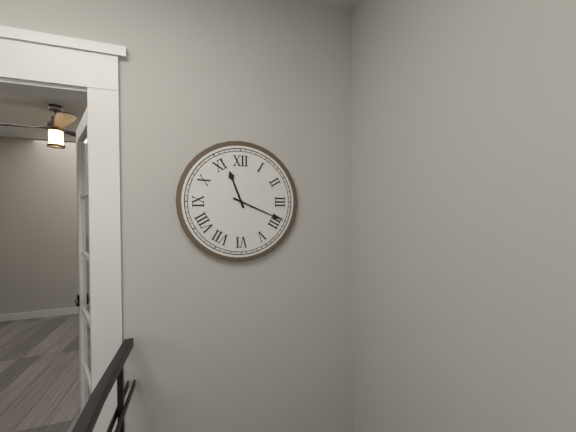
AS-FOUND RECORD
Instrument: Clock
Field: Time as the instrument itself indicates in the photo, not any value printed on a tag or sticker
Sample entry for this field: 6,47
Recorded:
11,19
